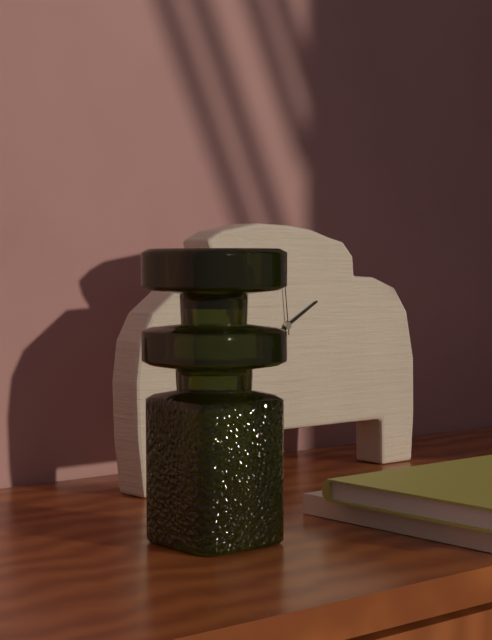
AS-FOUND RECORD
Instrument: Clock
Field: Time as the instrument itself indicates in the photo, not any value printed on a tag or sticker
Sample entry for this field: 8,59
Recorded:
7,10
